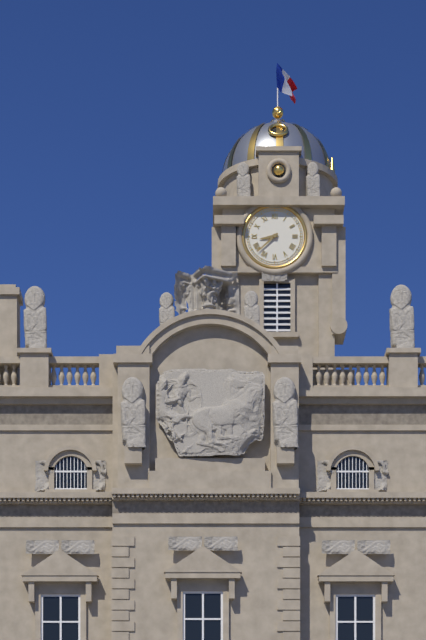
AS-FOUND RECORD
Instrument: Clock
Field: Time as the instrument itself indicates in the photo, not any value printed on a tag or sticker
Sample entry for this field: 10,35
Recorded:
8,38
